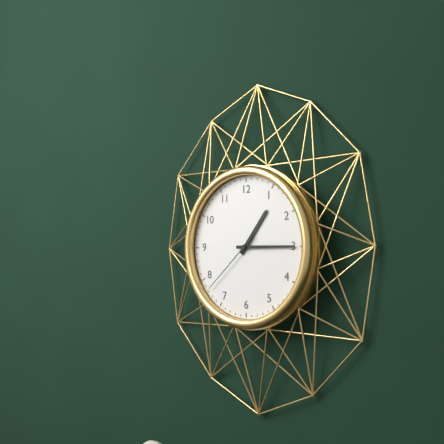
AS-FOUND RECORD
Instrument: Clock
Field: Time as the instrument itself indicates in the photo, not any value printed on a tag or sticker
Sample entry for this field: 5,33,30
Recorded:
1,15,38
